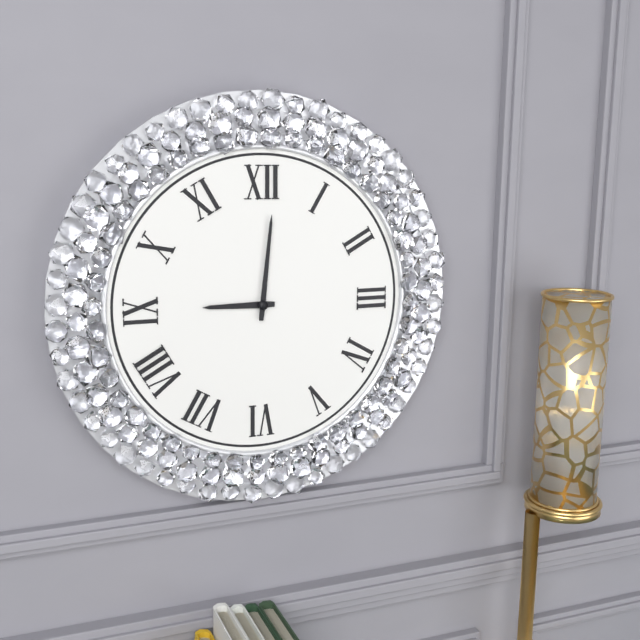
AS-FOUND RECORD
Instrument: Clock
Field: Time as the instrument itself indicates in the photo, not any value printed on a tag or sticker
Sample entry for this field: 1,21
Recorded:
9,01
